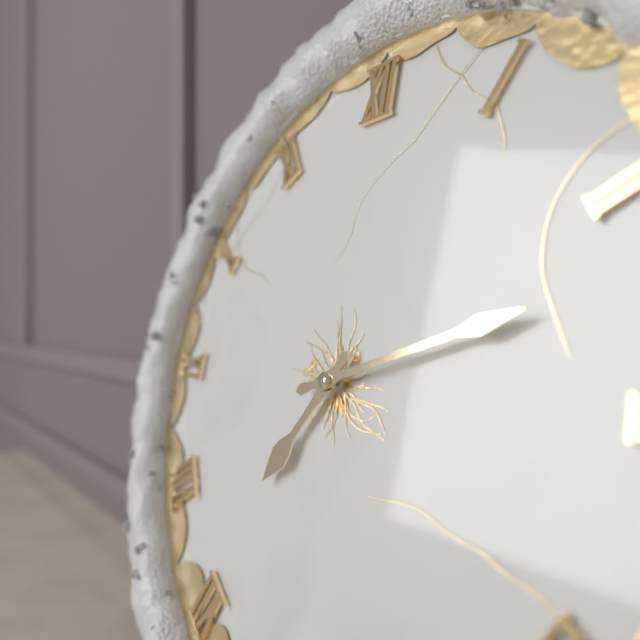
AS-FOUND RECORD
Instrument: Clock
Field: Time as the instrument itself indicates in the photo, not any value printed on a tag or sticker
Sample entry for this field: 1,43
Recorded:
7,12
